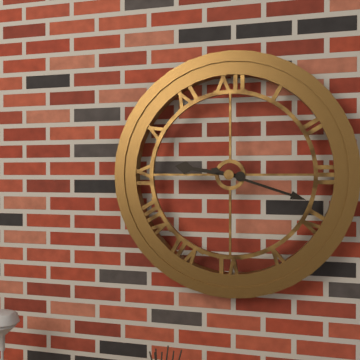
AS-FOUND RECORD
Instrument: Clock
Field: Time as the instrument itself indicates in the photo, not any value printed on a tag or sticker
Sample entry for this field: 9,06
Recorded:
9,18
